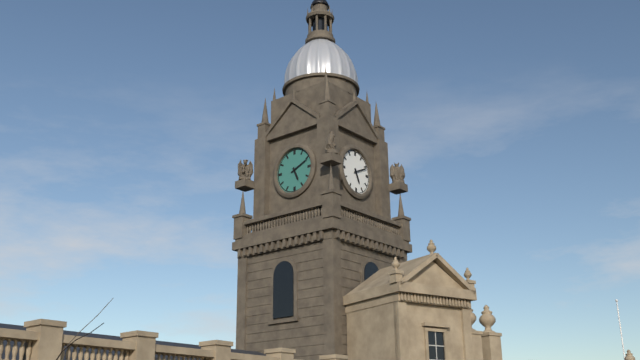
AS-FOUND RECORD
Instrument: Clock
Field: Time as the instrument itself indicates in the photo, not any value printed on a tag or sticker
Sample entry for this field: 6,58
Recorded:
5,11
